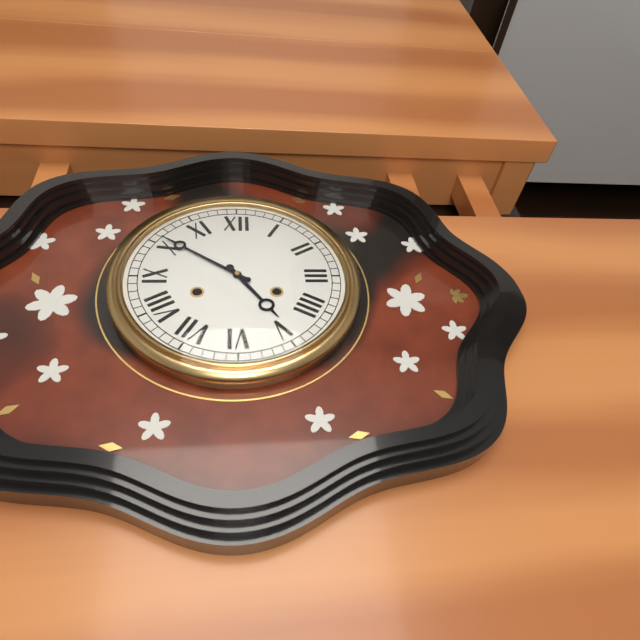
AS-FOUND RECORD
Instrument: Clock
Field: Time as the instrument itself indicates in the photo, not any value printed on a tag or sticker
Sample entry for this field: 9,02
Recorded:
4,51
